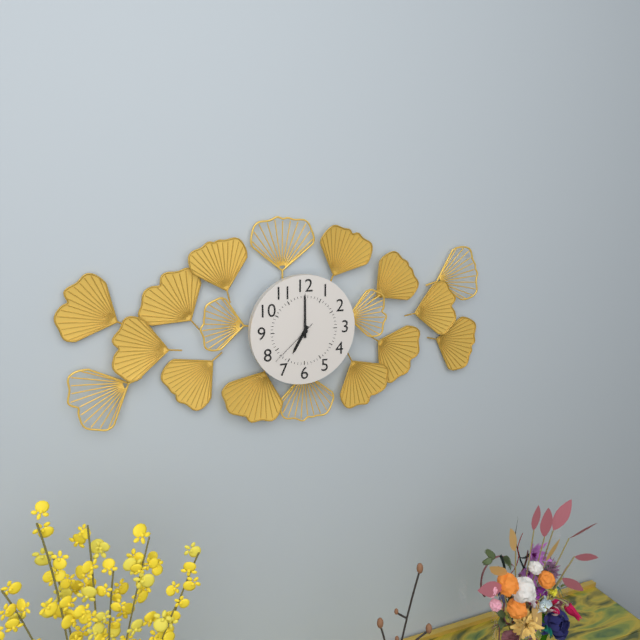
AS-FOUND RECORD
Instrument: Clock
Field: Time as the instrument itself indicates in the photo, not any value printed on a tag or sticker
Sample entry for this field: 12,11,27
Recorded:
7,00,38
